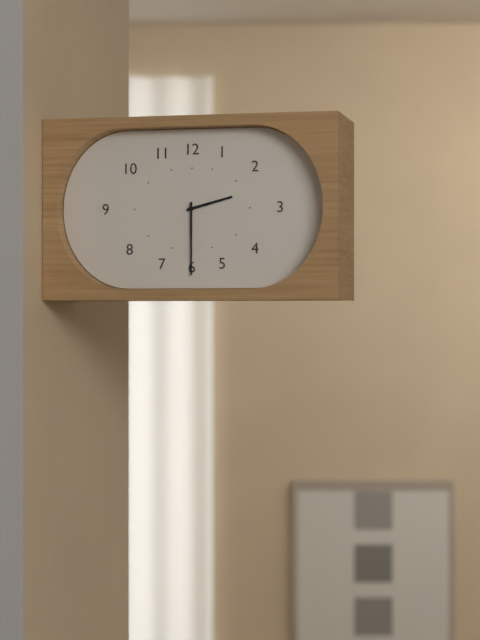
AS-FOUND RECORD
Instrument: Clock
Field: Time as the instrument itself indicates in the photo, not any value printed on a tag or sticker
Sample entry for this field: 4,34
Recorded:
2,30
